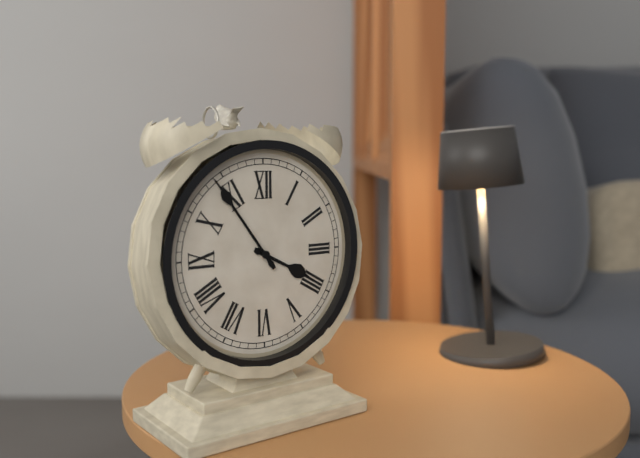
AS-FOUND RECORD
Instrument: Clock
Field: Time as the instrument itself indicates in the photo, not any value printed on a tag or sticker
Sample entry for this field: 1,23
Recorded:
3,54
